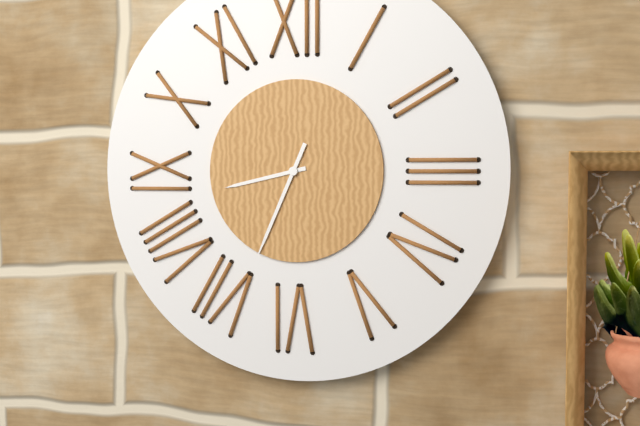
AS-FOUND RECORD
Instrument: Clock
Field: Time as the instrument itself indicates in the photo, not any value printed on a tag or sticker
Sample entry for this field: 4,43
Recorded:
8,34
